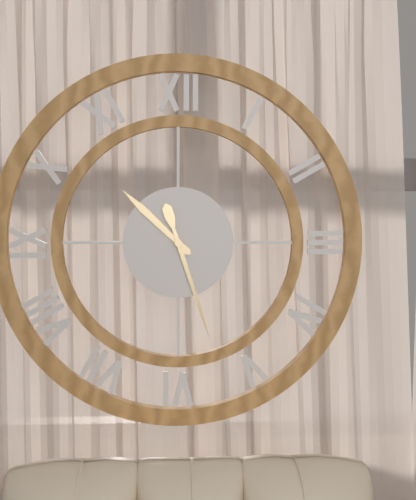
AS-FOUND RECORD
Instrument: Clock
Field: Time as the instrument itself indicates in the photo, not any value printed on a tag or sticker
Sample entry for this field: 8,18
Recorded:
10,27
